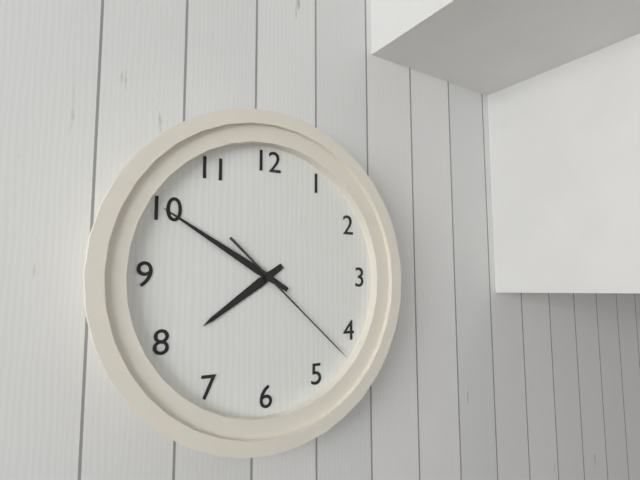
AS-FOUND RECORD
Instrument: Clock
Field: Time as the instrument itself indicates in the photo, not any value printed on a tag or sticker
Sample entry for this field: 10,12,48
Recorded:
7,50,22
